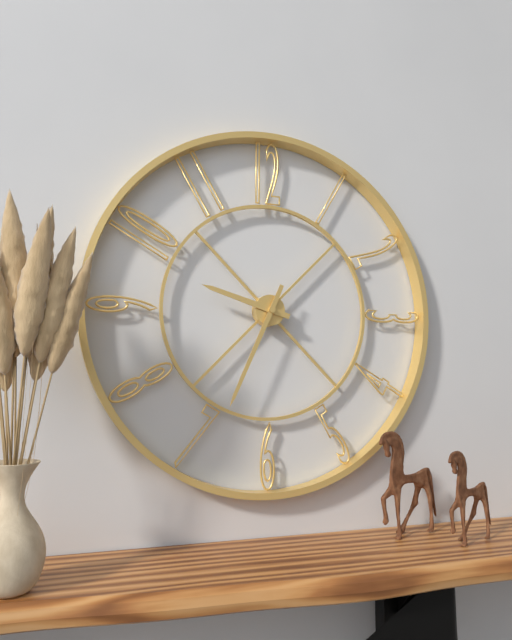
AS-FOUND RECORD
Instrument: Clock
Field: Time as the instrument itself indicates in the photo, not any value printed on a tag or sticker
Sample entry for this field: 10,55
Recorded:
9,34
